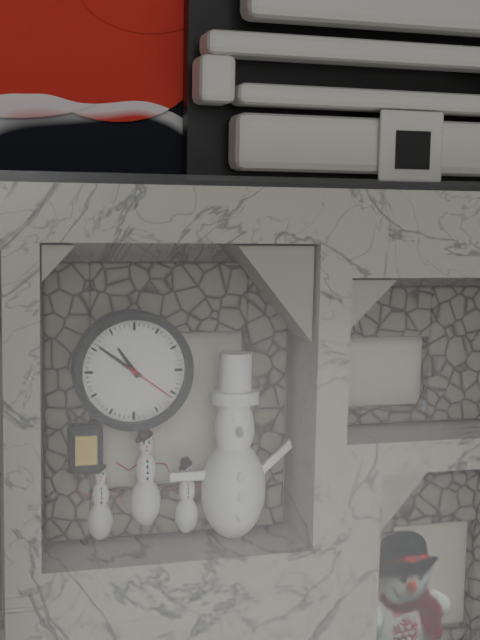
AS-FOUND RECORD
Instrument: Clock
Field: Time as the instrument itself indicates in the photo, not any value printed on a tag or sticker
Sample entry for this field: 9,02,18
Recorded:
10,51,21
